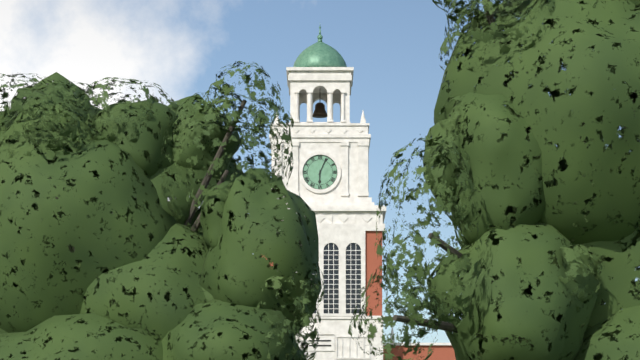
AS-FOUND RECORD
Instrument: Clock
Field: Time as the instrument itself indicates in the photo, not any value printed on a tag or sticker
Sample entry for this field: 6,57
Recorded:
6,04
